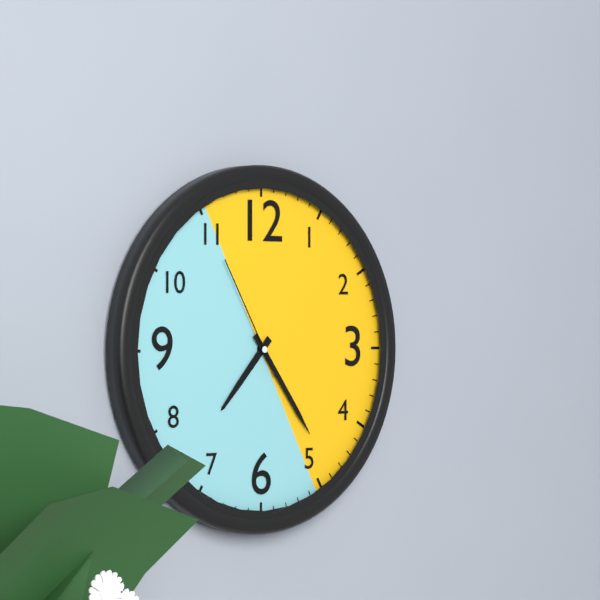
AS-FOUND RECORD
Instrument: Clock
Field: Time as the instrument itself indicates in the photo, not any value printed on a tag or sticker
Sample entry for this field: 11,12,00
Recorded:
7,24,55
